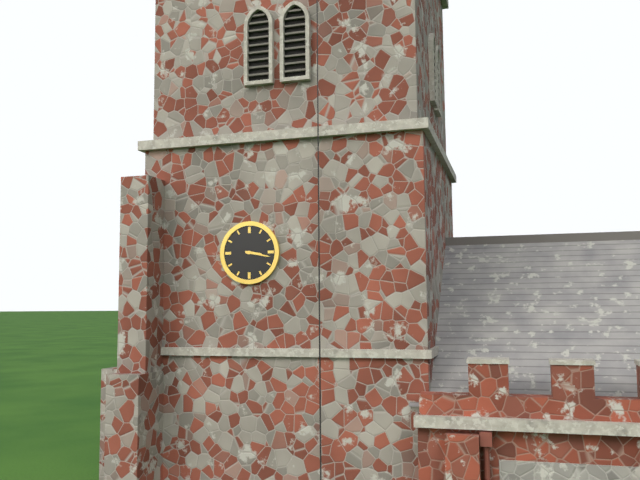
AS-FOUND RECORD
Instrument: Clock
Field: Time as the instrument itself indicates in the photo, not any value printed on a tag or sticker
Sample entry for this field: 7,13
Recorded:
3,17
